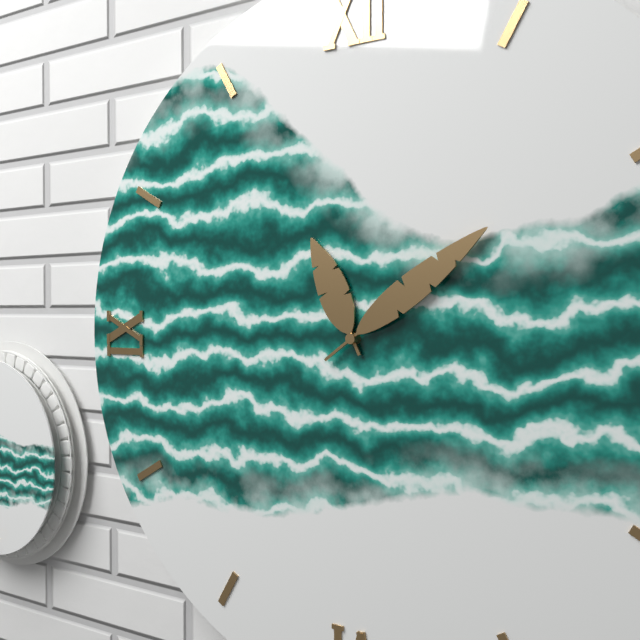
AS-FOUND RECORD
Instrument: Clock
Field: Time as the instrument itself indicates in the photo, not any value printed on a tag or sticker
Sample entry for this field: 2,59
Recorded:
11,09
